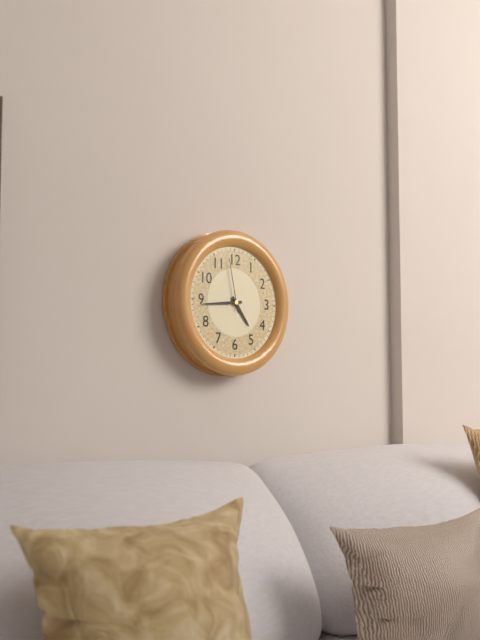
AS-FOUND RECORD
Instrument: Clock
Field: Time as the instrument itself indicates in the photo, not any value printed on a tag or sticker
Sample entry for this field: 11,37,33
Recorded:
4,44,58
